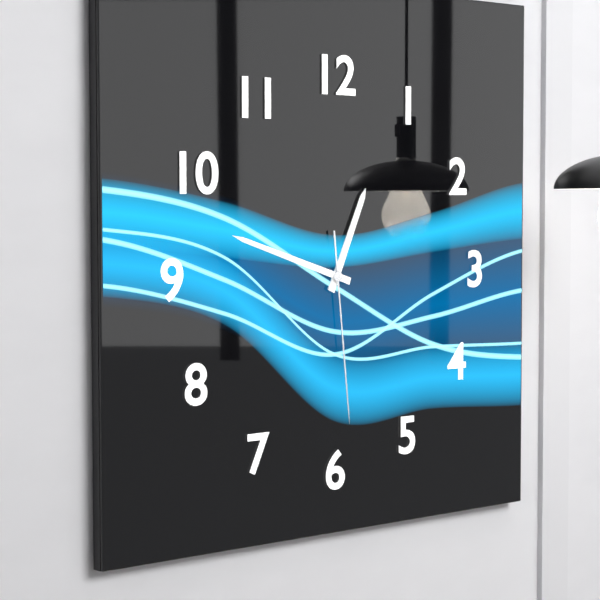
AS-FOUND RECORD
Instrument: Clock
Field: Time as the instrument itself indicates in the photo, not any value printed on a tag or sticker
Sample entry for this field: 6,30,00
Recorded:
12,48,29
